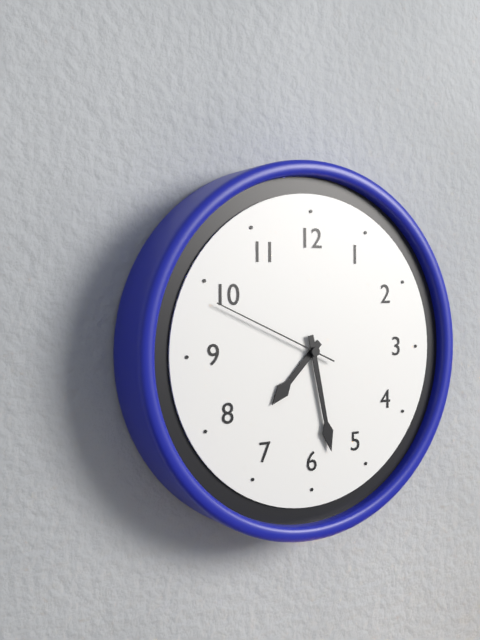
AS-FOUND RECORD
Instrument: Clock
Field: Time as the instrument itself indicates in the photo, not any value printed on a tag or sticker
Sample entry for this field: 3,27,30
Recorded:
7,28,49
